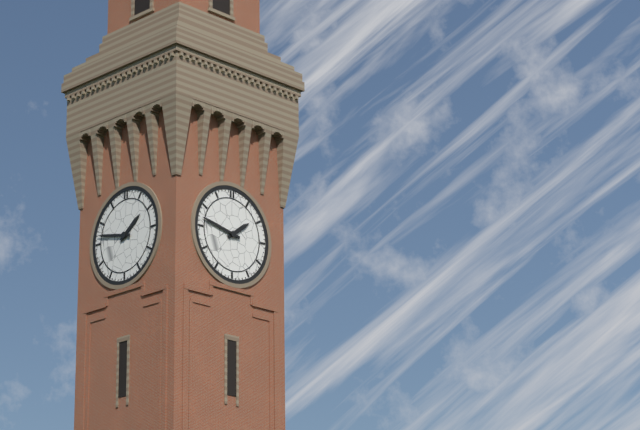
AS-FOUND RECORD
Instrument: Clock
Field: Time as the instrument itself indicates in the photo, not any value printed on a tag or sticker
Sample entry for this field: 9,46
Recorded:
1,47
